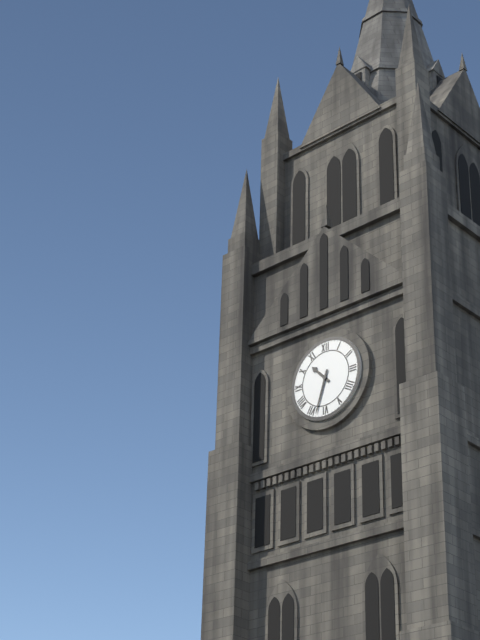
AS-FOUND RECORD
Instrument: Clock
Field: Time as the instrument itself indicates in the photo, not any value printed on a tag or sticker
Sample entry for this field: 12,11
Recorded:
10,33
